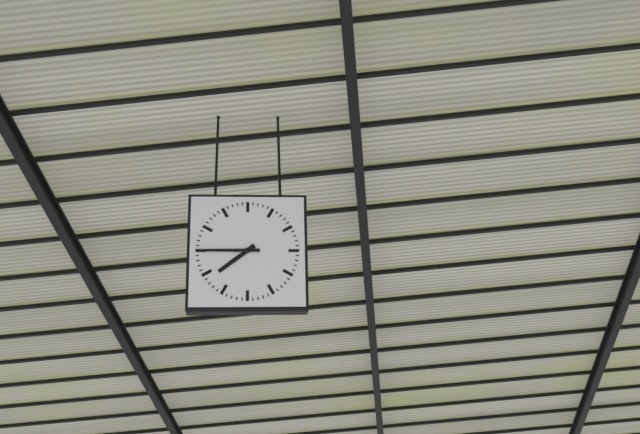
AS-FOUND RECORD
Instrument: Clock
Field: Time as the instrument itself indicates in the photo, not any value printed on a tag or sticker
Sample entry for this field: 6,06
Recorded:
7,45
